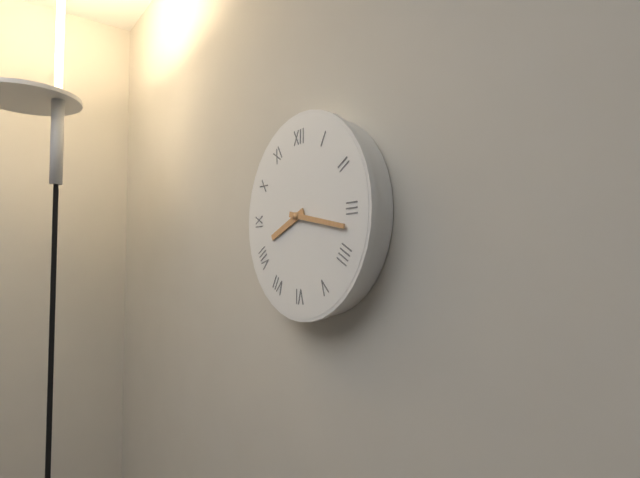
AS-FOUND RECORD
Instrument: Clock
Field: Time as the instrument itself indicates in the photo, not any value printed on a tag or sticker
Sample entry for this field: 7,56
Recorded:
8,17
